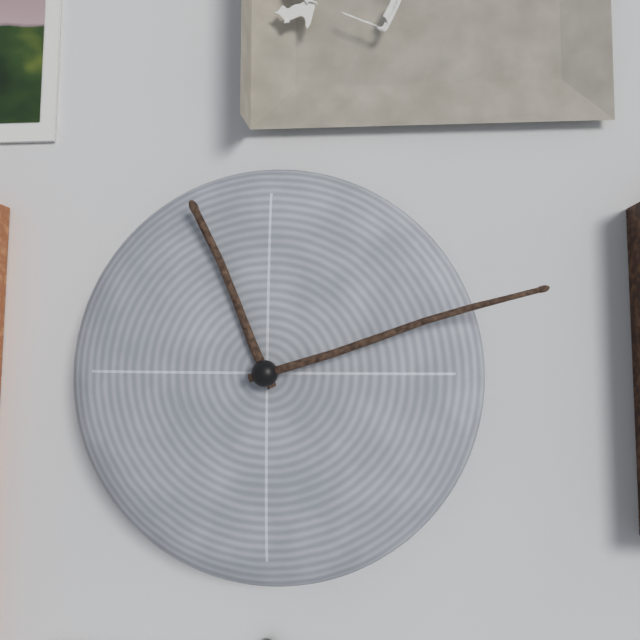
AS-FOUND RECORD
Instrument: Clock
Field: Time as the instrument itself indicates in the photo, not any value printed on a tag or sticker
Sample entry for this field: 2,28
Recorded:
11,12
